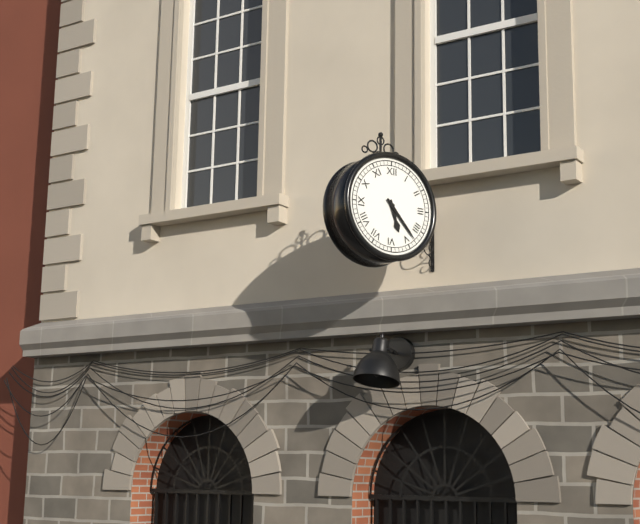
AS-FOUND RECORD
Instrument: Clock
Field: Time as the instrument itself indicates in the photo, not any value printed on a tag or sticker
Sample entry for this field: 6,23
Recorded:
5,23
